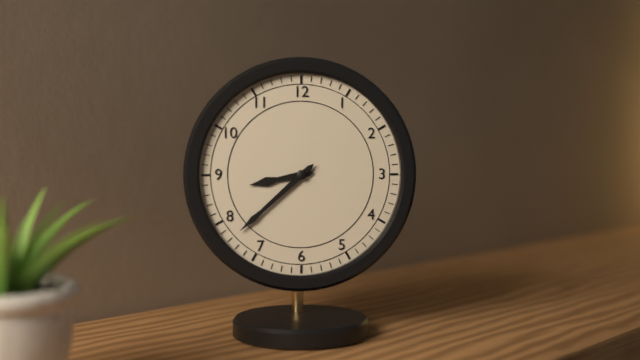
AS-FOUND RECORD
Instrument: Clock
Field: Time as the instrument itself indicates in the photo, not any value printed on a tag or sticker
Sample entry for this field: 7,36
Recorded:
8,38
